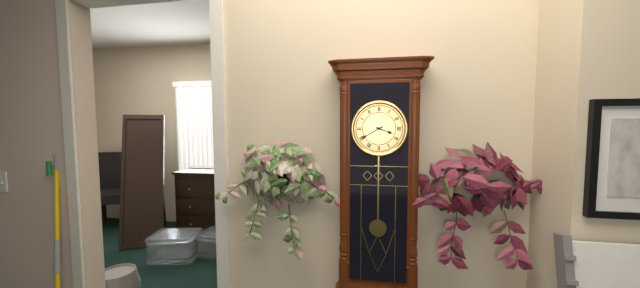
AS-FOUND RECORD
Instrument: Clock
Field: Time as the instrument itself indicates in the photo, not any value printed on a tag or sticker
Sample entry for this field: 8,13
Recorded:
3,40
